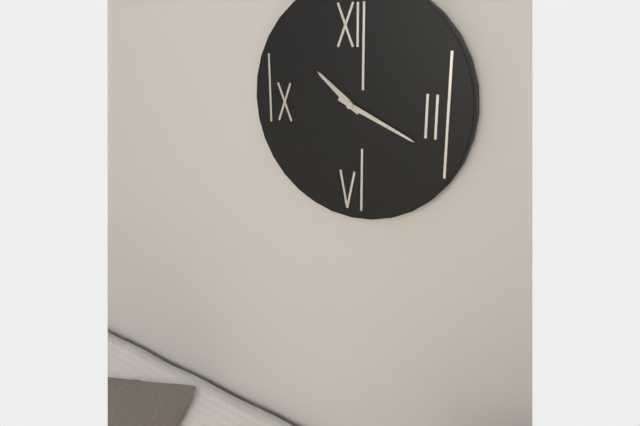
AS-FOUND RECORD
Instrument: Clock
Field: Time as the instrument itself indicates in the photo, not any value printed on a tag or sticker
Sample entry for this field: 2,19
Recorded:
10,19
